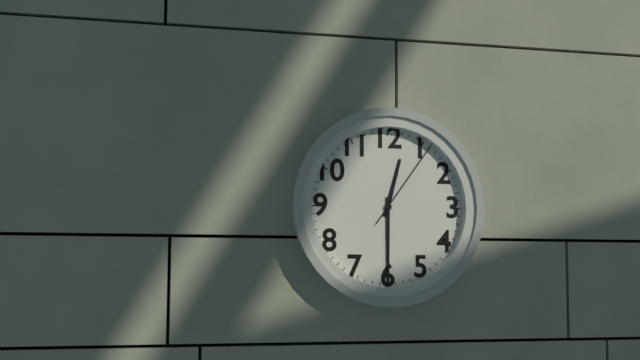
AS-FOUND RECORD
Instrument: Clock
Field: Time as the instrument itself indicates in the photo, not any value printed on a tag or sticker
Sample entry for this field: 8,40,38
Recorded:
12,30,06
